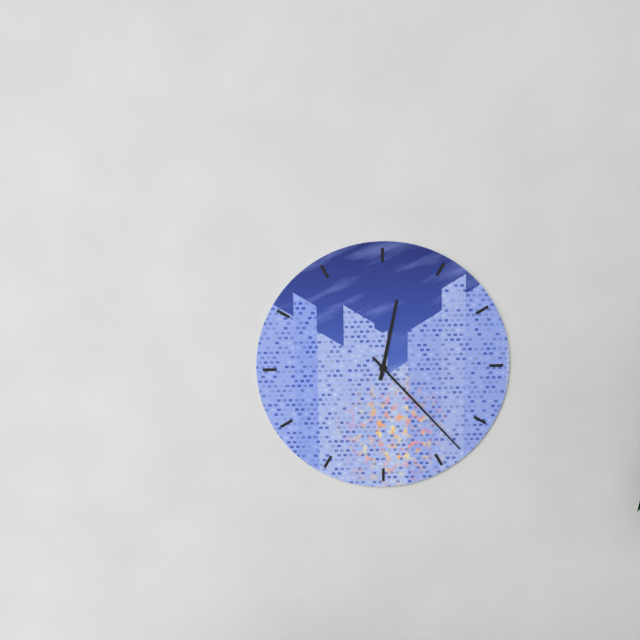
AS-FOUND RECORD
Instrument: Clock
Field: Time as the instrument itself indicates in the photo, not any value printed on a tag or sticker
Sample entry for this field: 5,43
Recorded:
12,23
